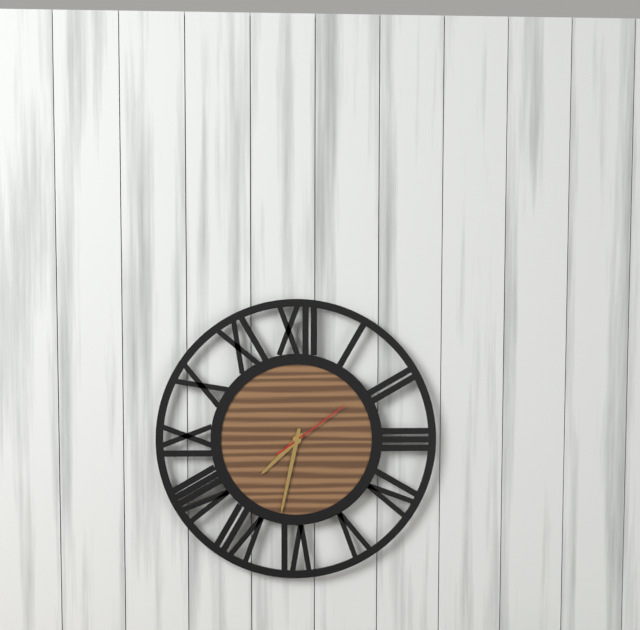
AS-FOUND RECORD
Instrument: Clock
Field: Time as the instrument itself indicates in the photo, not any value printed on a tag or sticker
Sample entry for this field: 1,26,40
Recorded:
7,32,09
